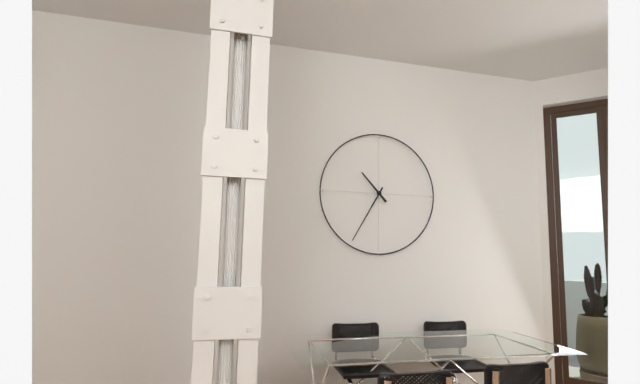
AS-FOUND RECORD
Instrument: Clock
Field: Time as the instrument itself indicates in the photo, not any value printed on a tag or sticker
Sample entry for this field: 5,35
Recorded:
10,35
